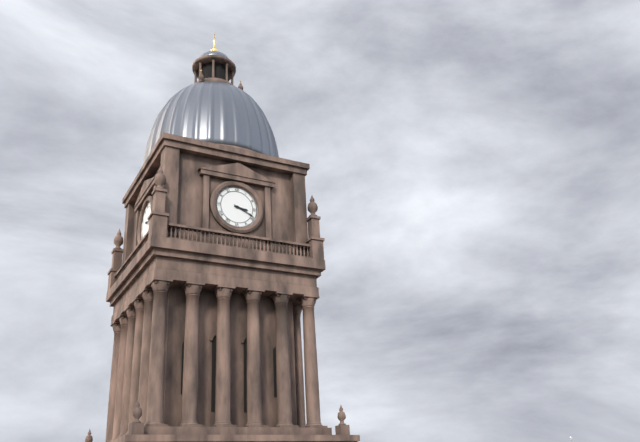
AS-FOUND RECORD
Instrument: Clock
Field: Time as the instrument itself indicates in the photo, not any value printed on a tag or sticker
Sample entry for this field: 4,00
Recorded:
3,19
